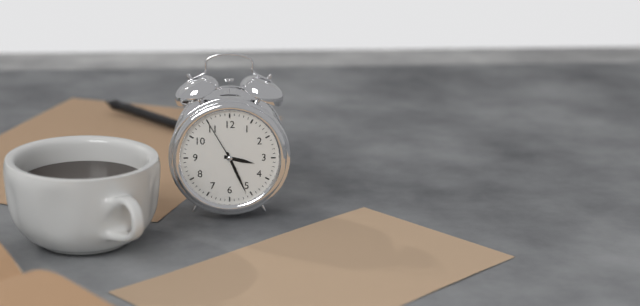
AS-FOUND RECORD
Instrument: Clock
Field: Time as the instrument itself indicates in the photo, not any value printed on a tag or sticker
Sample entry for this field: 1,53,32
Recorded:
3,26,55
